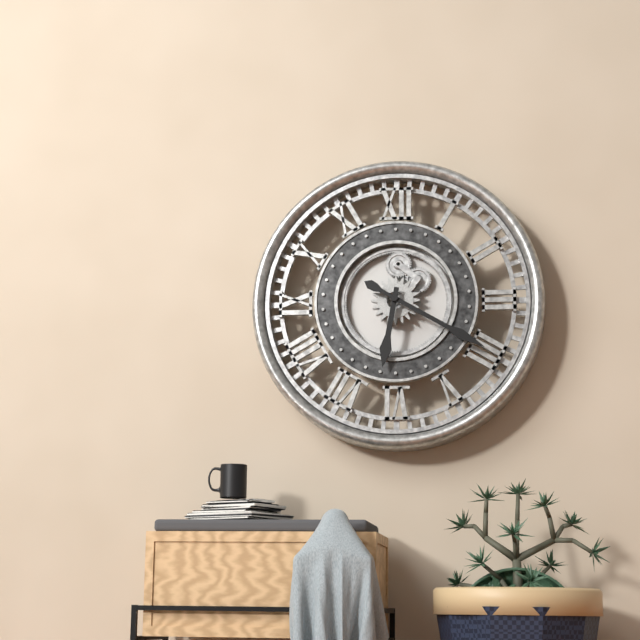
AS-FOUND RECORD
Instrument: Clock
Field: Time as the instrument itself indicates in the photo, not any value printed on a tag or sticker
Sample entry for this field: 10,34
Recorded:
6,20
